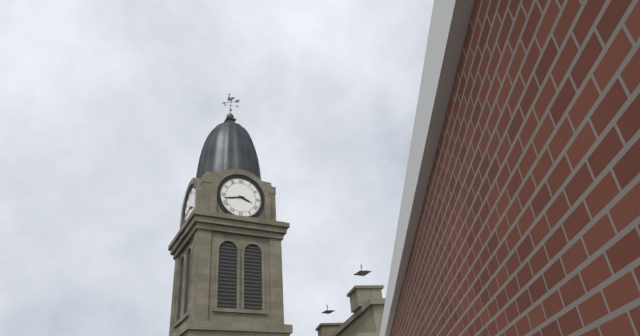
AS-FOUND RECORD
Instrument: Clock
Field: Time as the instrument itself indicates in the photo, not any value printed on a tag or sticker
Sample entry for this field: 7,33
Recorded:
3,43
